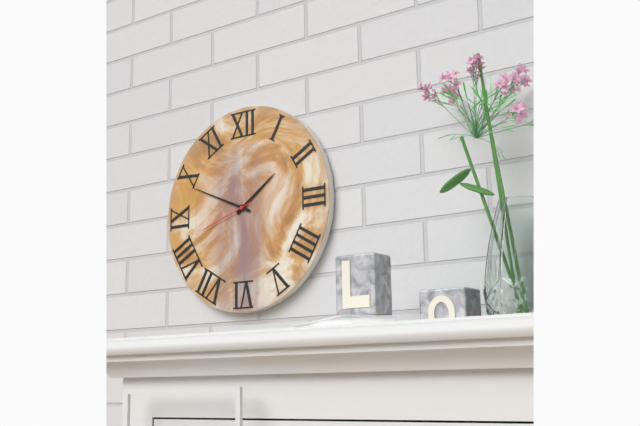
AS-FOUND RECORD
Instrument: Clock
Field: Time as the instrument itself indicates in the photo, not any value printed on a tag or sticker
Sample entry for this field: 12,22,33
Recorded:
1,49,42
